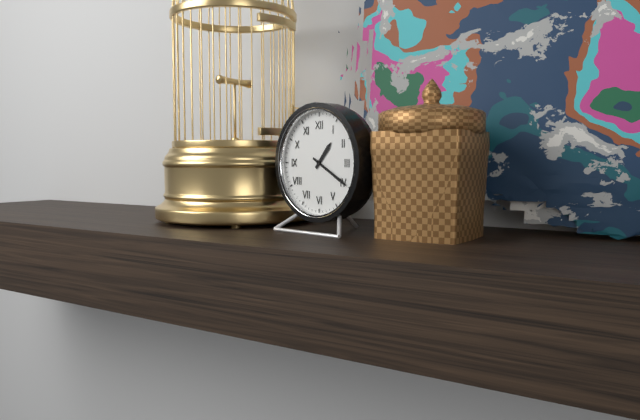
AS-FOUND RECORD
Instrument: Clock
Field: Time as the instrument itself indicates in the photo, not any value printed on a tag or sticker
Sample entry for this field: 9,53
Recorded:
1,20
